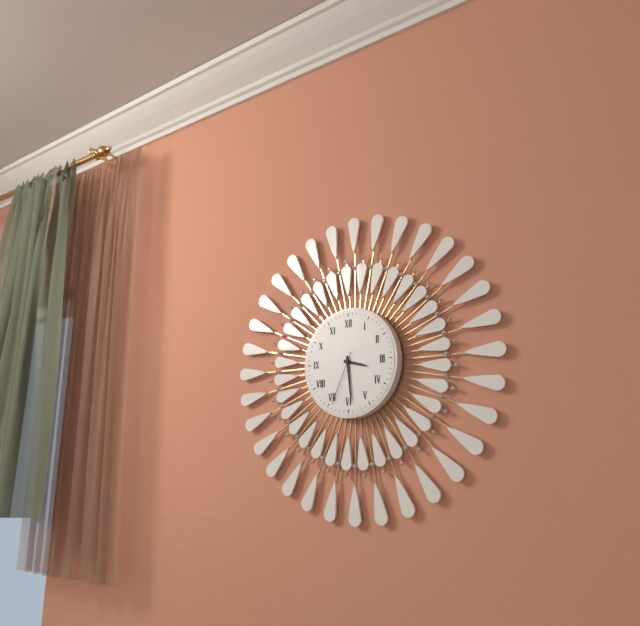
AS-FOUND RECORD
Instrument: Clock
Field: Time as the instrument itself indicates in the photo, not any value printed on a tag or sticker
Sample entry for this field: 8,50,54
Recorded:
3,29,34
